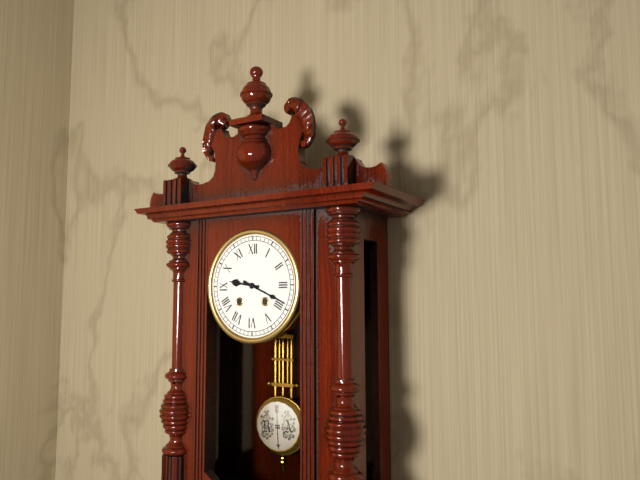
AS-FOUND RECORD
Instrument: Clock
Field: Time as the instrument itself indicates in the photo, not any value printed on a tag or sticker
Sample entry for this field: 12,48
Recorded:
9,19
